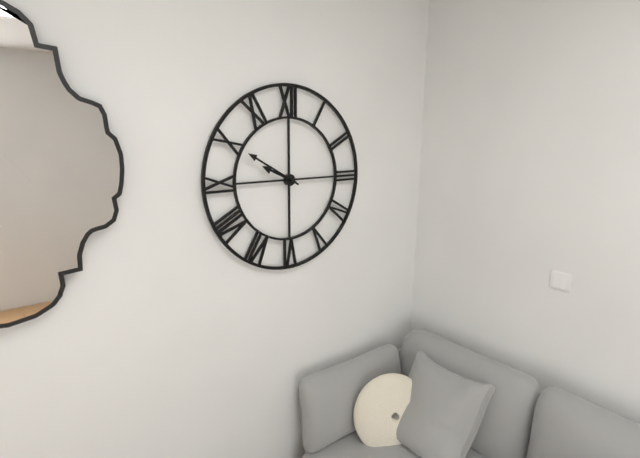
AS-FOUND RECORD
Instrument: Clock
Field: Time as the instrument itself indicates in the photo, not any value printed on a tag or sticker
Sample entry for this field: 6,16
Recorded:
9,50
